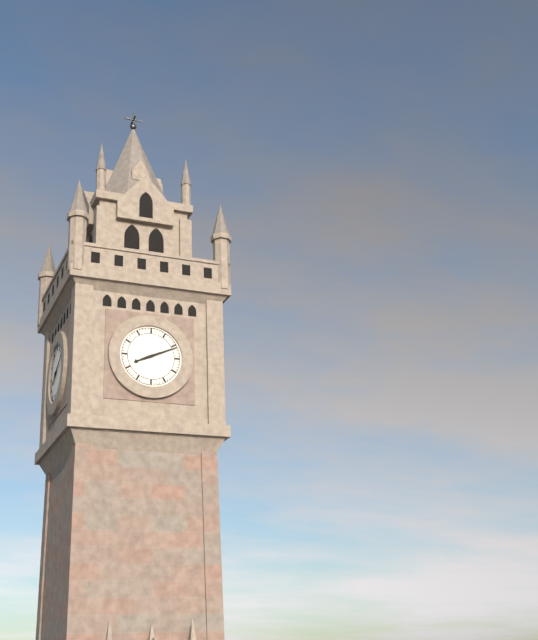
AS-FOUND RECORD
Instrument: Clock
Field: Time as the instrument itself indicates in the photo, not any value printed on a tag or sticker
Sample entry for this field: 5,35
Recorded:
8,11
